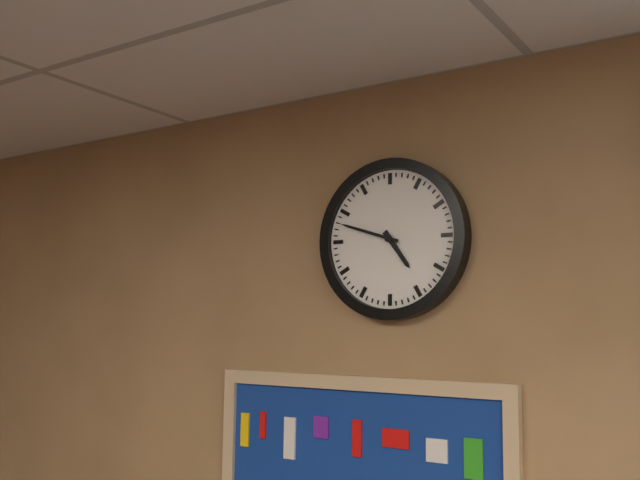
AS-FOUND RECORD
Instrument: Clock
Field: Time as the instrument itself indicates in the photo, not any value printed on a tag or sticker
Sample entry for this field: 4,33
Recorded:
4,48
